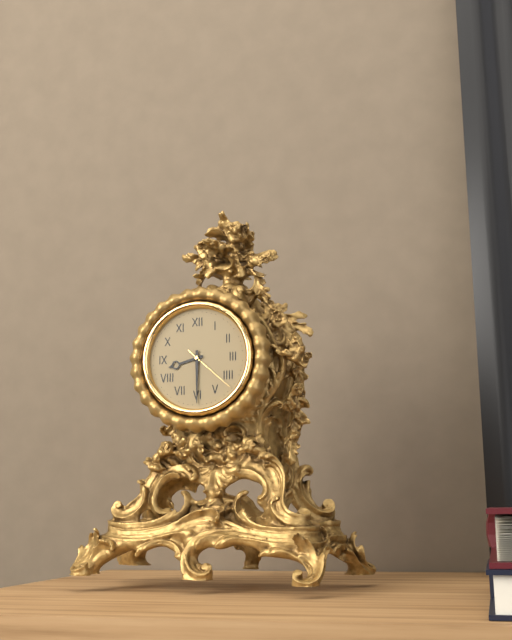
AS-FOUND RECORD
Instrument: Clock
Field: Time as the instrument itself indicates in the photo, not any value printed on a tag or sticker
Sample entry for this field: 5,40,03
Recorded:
8,30,22
